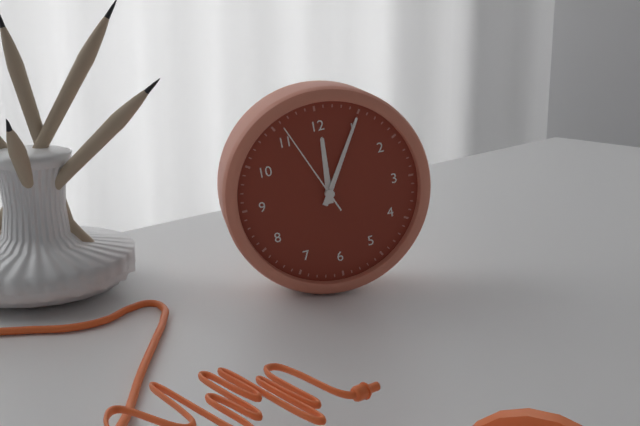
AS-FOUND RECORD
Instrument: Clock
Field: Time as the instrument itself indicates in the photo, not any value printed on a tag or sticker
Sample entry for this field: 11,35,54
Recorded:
12,05,56
